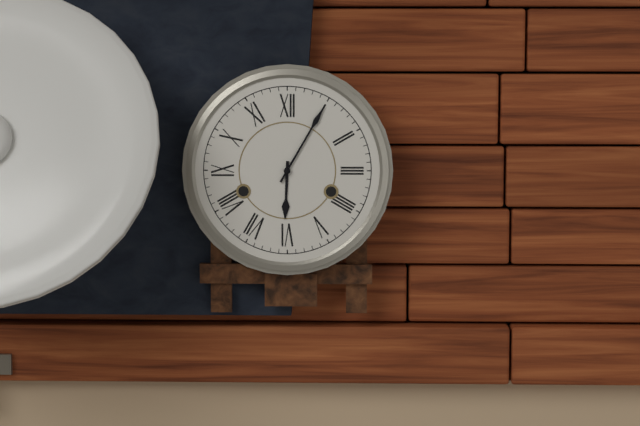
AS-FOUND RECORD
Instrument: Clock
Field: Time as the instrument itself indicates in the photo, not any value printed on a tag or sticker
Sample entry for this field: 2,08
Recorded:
6,05
